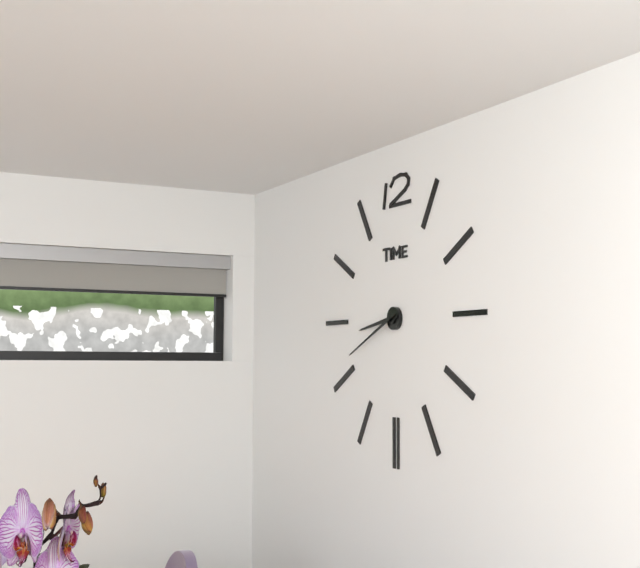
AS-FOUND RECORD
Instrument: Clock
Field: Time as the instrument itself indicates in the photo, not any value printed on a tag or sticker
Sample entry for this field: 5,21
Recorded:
8,41
